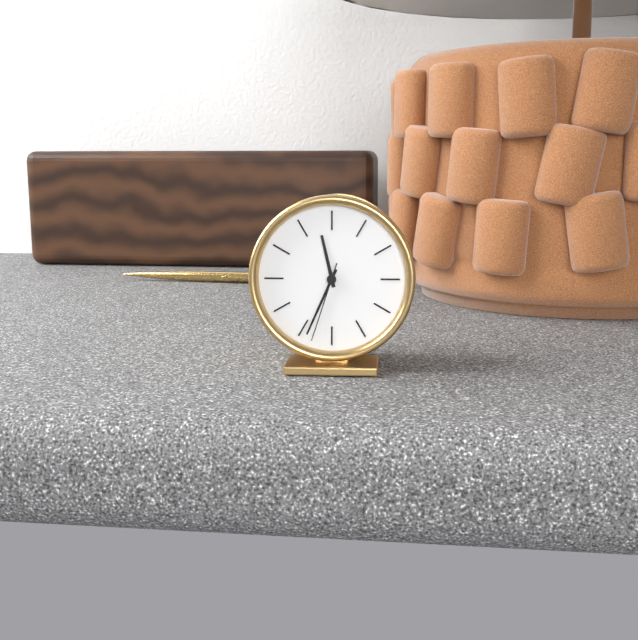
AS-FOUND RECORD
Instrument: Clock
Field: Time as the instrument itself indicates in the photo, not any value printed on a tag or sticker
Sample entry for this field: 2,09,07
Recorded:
11,34,33
